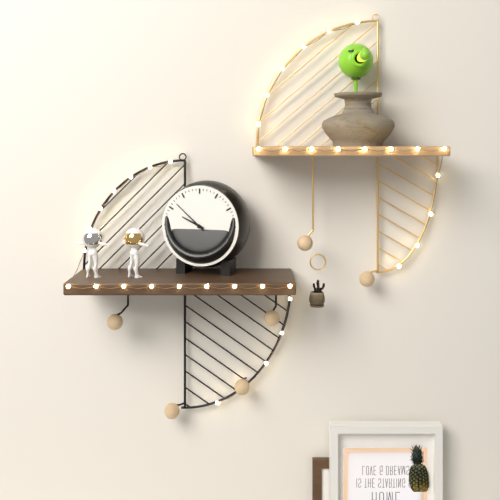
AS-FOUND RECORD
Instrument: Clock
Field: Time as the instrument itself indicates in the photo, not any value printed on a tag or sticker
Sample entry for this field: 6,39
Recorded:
9,52
